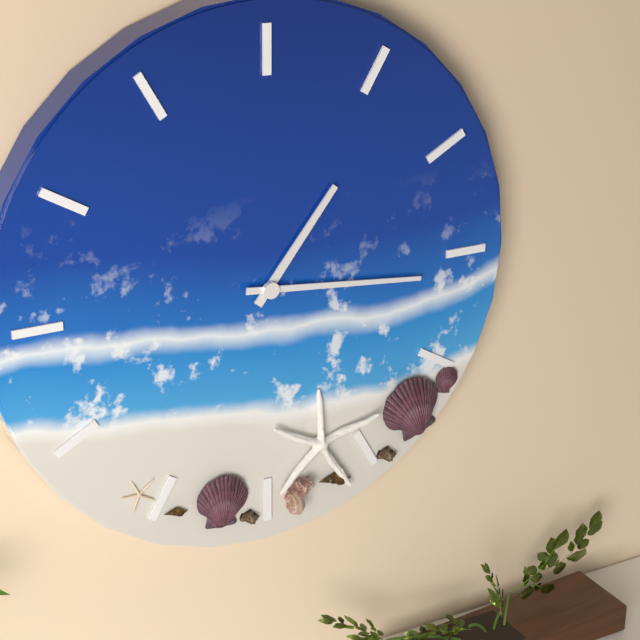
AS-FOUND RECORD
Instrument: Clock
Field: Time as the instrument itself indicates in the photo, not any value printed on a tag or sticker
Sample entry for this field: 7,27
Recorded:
1,16
